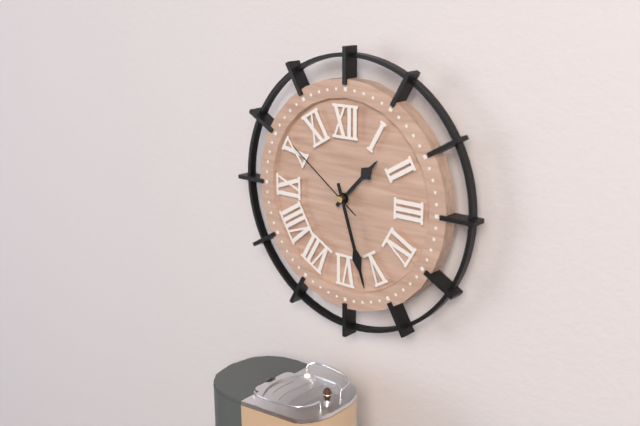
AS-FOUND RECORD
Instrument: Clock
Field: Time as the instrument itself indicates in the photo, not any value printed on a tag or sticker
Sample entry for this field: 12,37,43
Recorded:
1,27,51
